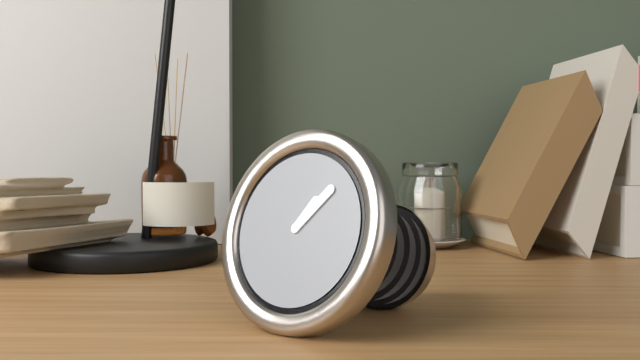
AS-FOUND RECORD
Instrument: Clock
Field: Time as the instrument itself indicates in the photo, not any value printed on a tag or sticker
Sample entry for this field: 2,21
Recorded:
1,07
